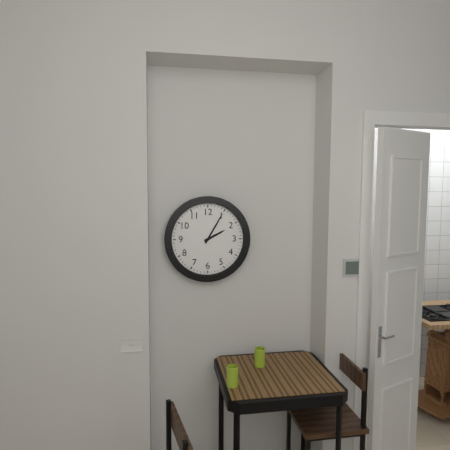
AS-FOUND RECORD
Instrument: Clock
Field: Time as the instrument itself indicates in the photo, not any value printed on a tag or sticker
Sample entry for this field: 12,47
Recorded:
2,05
